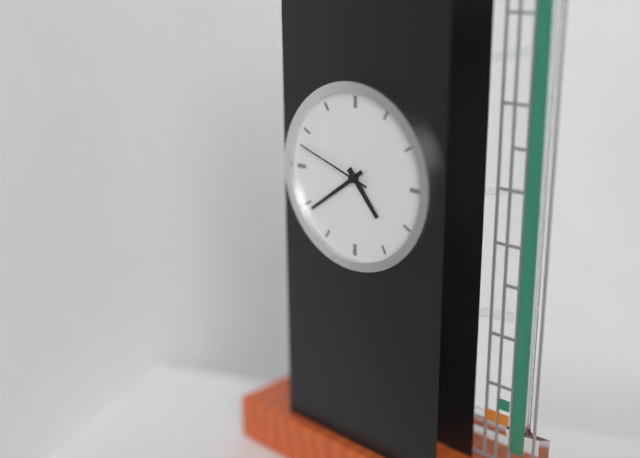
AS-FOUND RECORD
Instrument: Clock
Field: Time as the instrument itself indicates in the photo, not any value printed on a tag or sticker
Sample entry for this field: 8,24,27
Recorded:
4,39,48
